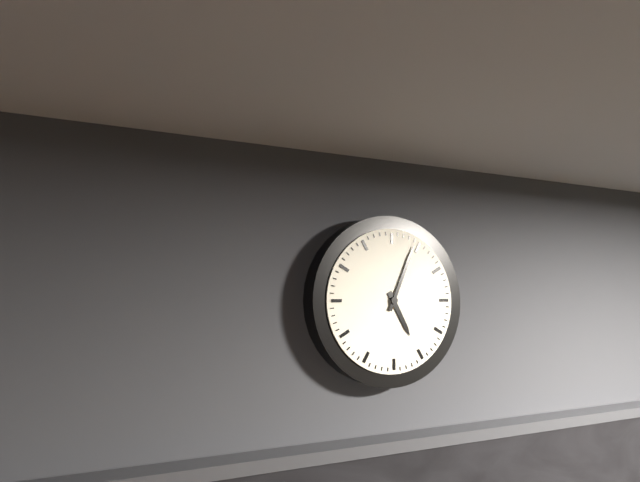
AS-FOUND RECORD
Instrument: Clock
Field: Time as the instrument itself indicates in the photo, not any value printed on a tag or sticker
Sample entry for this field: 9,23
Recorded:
5,04
